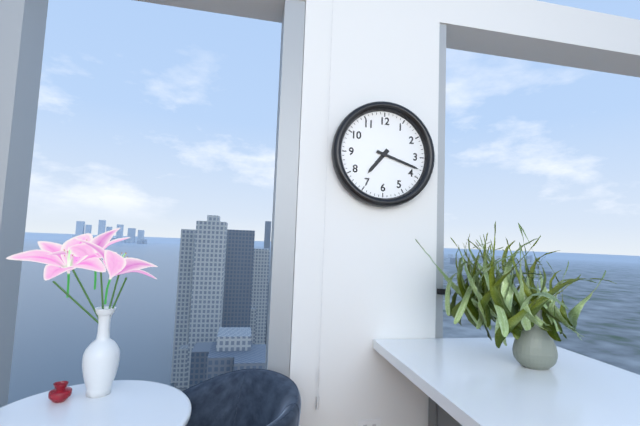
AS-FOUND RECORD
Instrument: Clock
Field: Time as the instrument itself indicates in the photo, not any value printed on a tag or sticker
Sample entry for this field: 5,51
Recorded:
7,18
